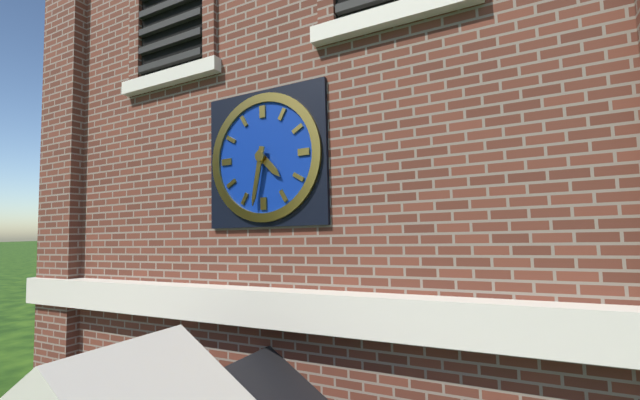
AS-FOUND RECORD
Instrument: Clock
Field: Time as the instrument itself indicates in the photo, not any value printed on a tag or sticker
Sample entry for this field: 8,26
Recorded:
4,32
